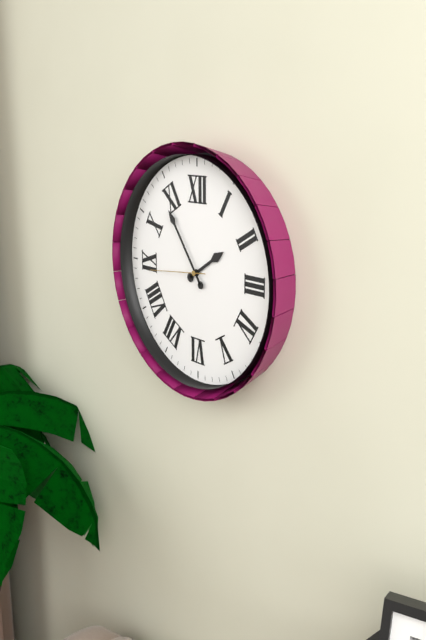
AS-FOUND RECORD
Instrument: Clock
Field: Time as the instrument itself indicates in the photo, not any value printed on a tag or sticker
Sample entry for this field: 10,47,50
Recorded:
1,54,44
